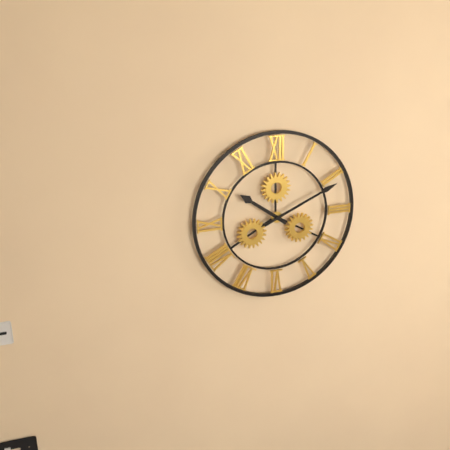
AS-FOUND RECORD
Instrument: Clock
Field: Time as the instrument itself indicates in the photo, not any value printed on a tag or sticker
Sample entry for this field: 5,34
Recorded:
10,11
